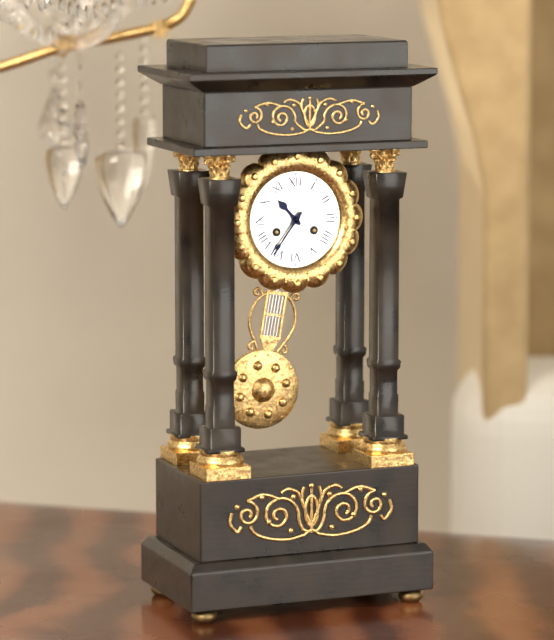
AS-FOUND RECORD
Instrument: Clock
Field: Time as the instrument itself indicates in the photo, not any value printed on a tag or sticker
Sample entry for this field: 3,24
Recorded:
10,36
